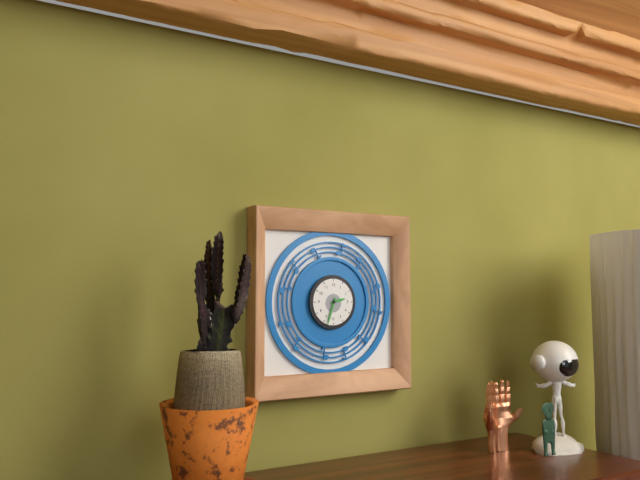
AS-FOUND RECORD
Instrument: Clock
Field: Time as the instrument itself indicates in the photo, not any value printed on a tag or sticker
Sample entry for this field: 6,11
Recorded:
2,33
